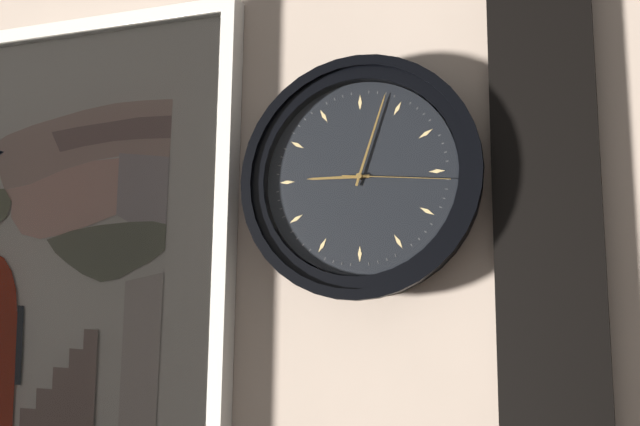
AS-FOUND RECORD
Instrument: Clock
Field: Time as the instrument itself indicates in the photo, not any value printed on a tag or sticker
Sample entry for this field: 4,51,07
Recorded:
9,03,16
